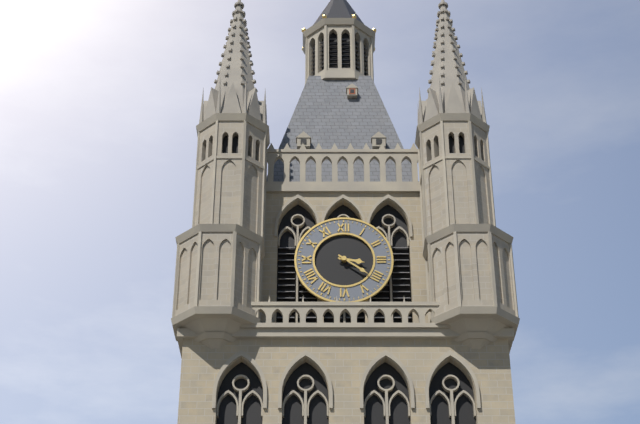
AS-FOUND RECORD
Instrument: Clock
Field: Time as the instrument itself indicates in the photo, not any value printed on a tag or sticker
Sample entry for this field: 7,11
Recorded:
3,21
